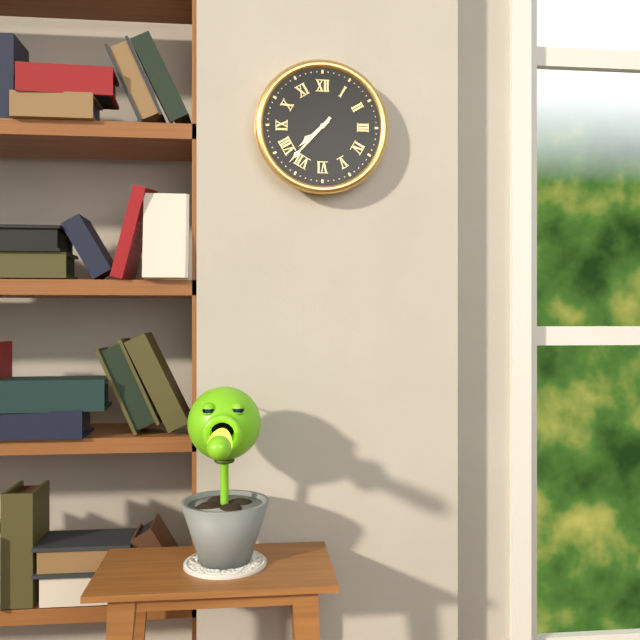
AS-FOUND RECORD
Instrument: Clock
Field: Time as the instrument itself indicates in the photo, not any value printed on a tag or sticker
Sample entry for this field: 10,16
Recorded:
7,37
